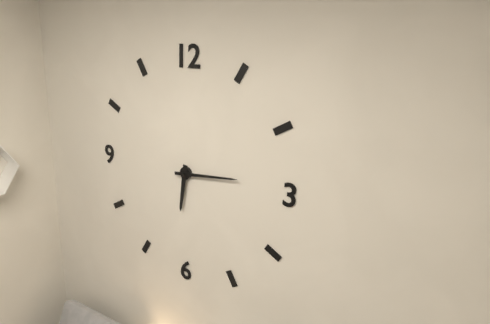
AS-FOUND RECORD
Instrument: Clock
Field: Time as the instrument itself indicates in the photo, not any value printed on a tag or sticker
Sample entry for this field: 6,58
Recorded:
6,14
